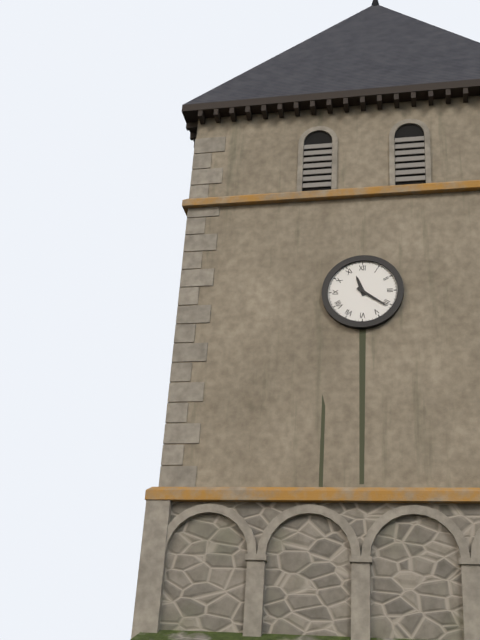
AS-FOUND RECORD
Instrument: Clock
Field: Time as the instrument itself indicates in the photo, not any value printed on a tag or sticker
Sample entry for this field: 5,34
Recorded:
11,21
